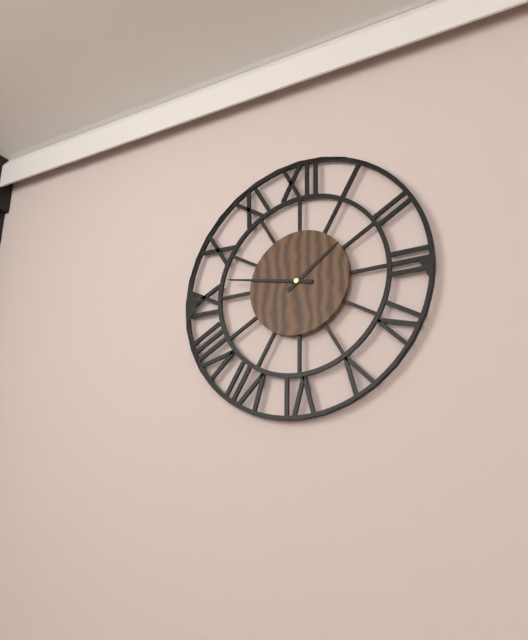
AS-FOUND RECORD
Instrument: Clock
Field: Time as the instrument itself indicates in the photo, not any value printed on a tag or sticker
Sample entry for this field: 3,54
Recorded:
1,47
